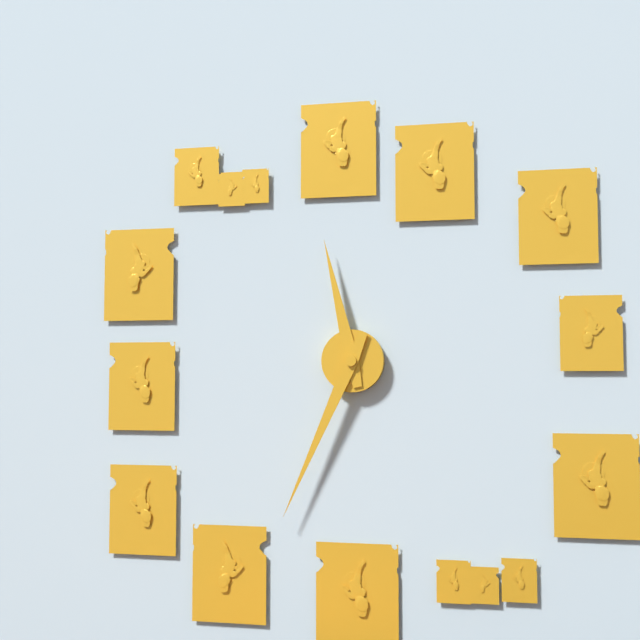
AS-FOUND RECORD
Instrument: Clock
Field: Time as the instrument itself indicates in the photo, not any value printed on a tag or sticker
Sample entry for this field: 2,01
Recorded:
11,34
